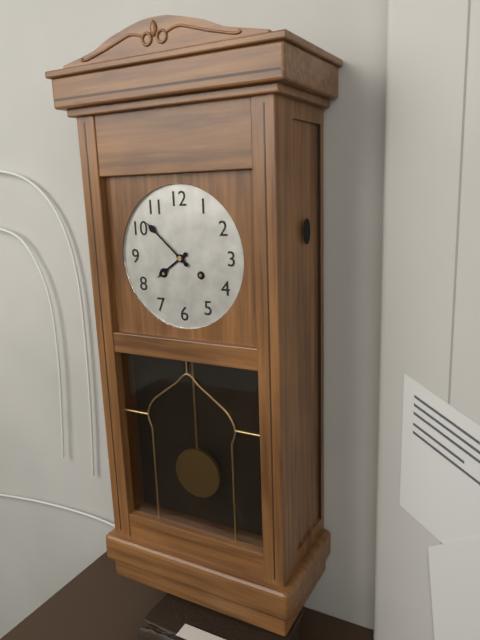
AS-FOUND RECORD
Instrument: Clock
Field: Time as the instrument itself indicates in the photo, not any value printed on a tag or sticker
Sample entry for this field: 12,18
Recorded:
7,52
